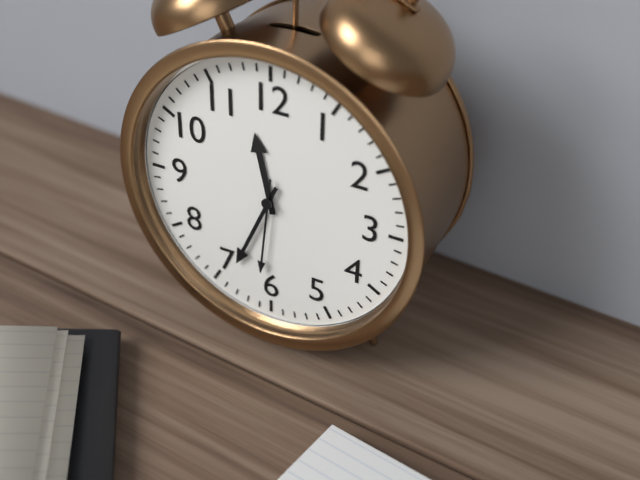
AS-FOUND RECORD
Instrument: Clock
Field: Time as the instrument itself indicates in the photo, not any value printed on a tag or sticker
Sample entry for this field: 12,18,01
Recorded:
11,34,31
